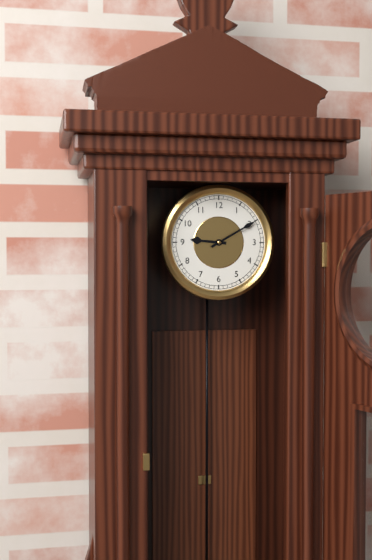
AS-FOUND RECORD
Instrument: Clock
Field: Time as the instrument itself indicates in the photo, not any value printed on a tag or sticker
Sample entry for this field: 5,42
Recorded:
9,10
